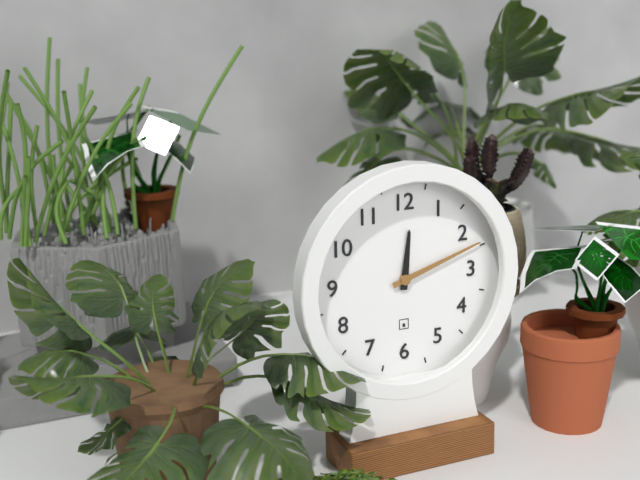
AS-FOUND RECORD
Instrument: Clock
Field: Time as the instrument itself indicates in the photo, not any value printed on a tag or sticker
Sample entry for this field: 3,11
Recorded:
12,12
